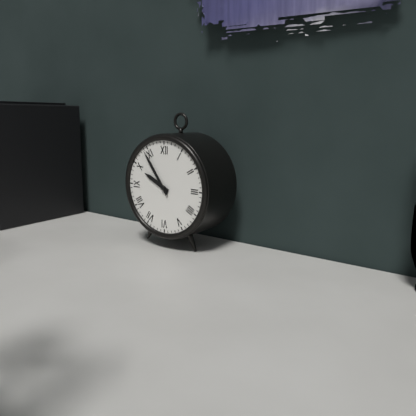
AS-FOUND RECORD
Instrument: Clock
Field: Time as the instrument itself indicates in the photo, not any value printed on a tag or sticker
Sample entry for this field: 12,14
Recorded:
9,54
